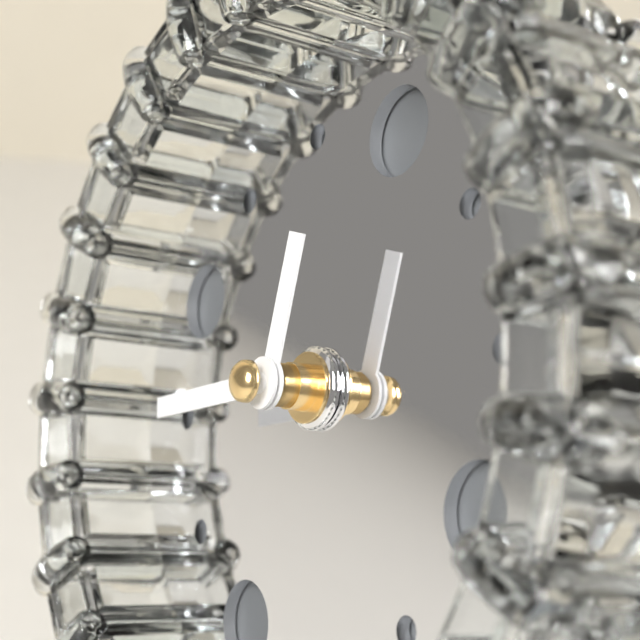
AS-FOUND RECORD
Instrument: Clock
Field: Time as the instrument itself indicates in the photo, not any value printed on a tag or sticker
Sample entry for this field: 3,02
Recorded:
11,40
